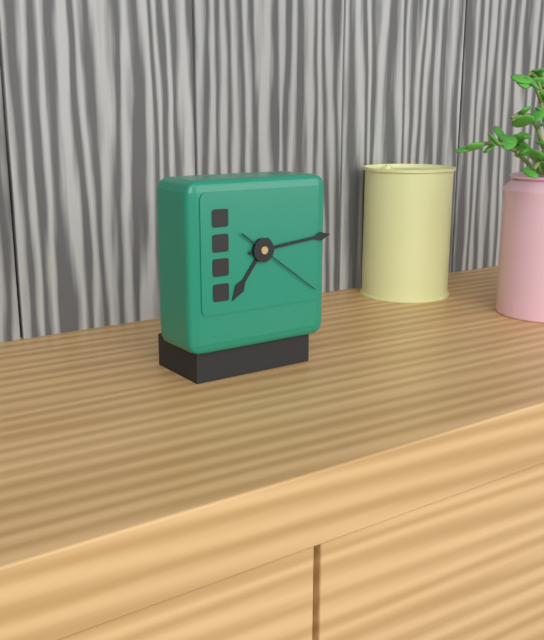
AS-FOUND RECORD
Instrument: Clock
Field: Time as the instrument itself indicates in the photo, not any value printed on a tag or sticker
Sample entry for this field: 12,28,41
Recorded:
7,14,21
